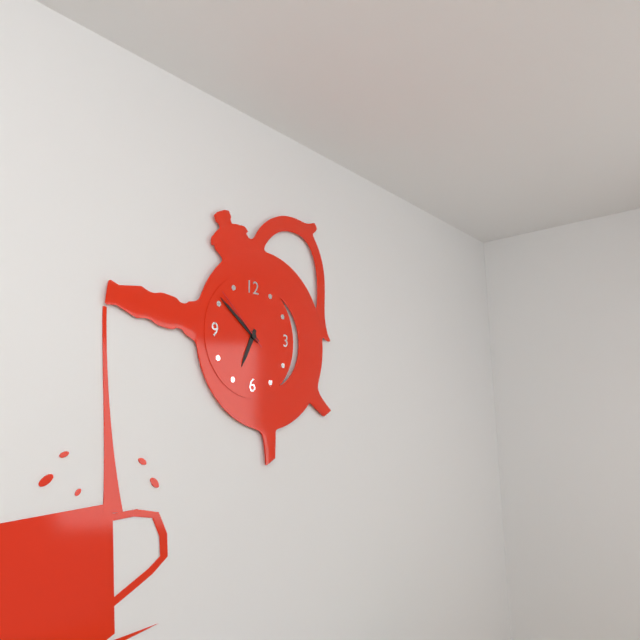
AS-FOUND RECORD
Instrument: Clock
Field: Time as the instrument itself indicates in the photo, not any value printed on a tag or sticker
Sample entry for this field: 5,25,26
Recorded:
6,51,52
